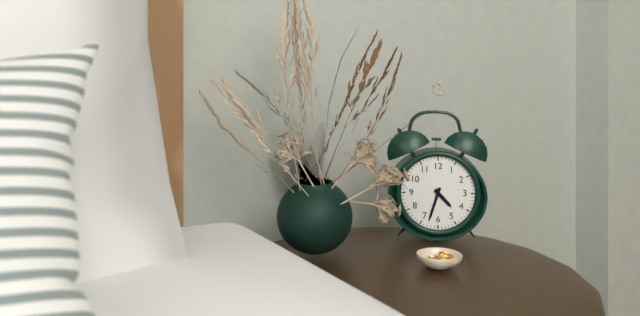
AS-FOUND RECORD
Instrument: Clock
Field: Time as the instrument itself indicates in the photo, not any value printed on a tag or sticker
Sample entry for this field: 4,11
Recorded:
4,33
